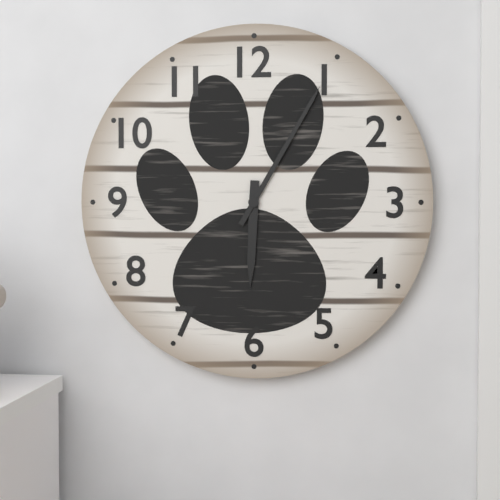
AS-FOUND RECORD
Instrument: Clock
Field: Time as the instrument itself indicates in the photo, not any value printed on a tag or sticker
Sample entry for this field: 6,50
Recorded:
6,05
